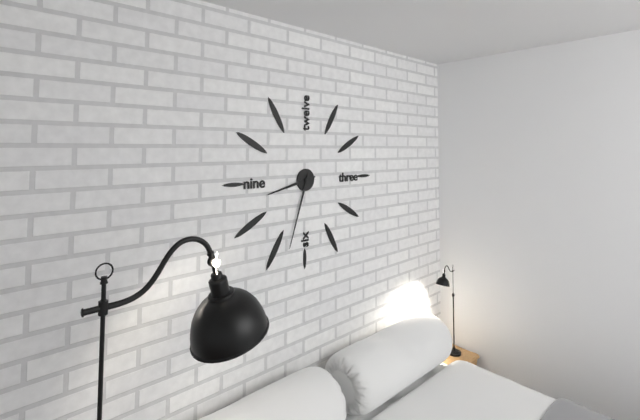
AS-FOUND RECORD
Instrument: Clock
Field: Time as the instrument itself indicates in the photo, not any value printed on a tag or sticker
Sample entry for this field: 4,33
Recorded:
8,33
